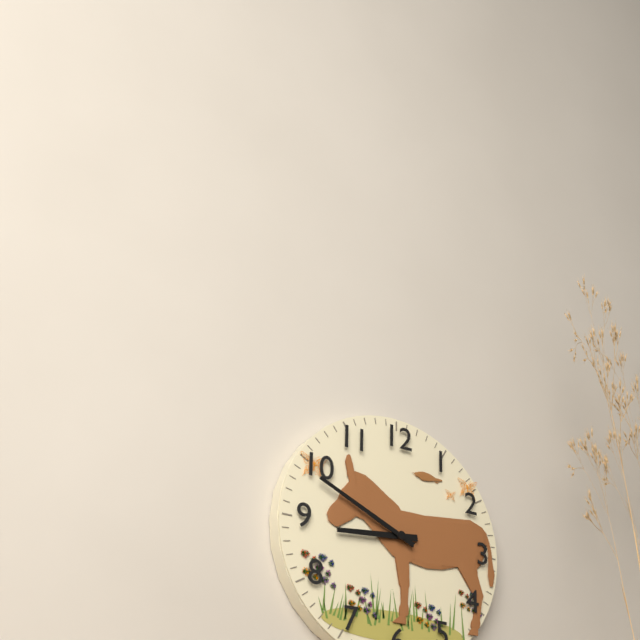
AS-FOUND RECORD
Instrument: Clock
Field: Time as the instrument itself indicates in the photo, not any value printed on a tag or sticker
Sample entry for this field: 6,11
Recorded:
8,49
